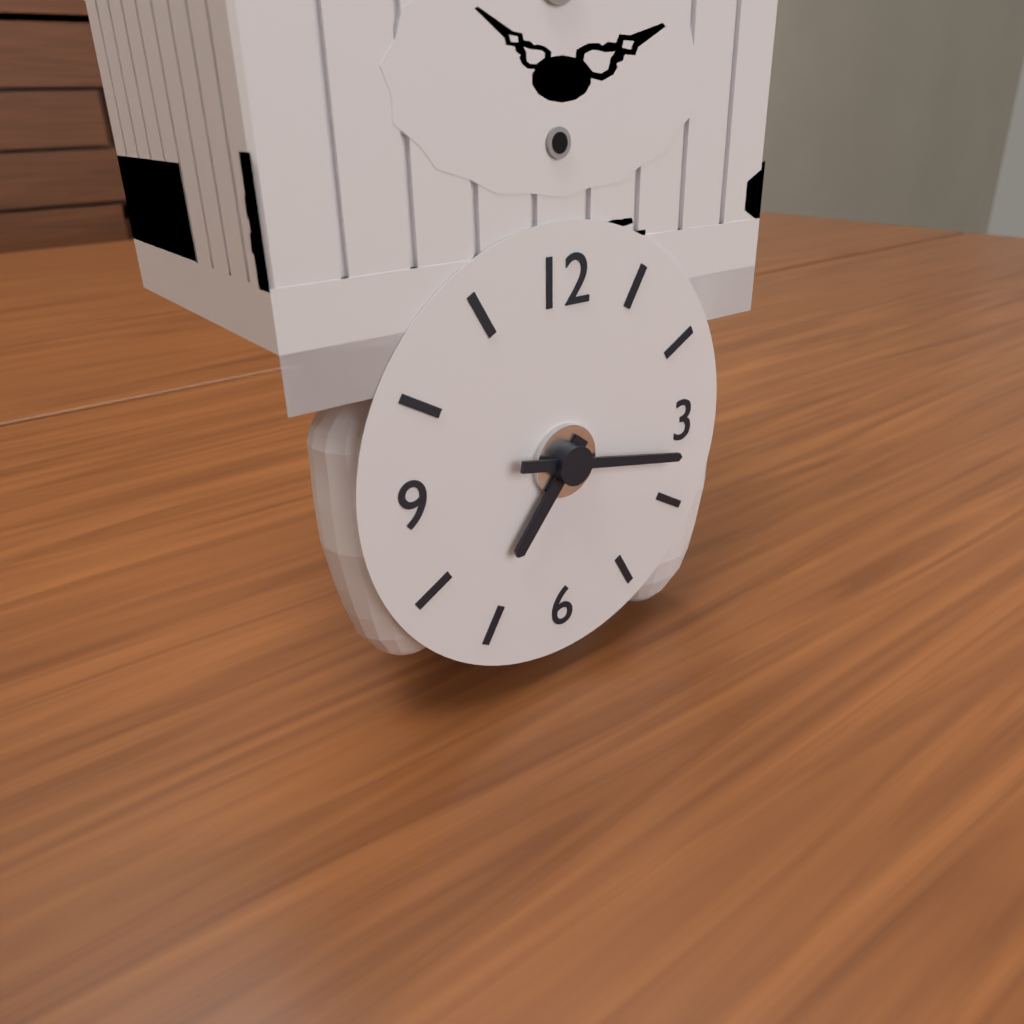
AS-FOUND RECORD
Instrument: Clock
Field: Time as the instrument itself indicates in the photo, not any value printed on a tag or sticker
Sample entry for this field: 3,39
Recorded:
7,17
